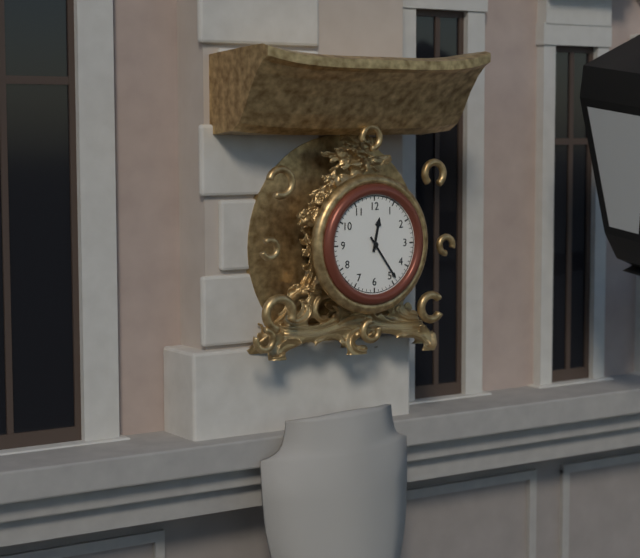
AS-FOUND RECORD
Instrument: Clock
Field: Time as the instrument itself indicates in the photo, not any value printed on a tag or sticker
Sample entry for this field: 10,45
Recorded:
12,24
